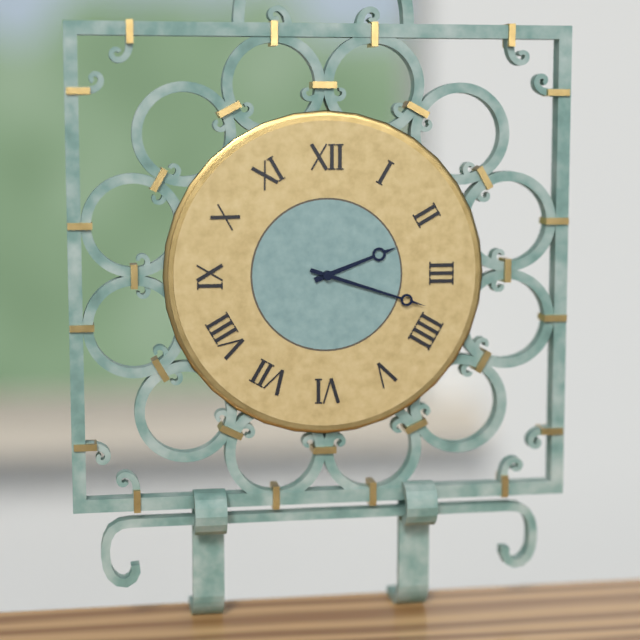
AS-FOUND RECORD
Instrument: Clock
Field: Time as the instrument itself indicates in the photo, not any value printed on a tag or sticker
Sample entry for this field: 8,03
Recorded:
2,18
